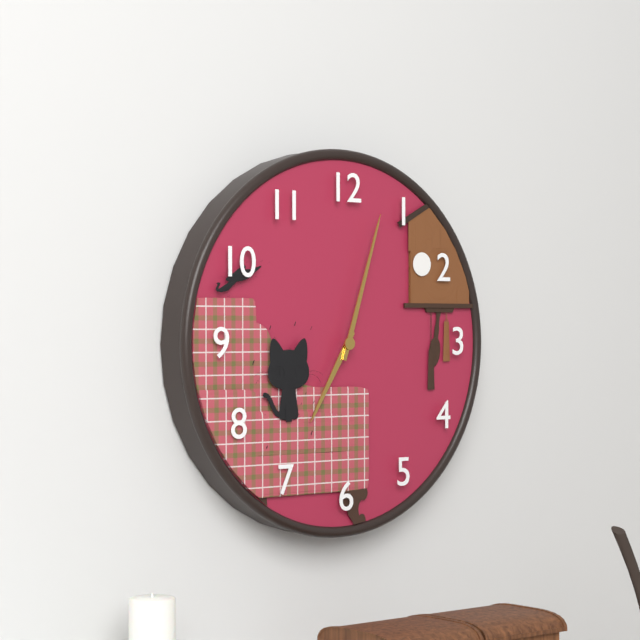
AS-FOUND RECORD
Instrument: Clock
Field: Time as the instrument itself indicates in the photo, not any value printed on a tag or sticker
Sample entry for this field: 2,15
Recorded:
7,03
